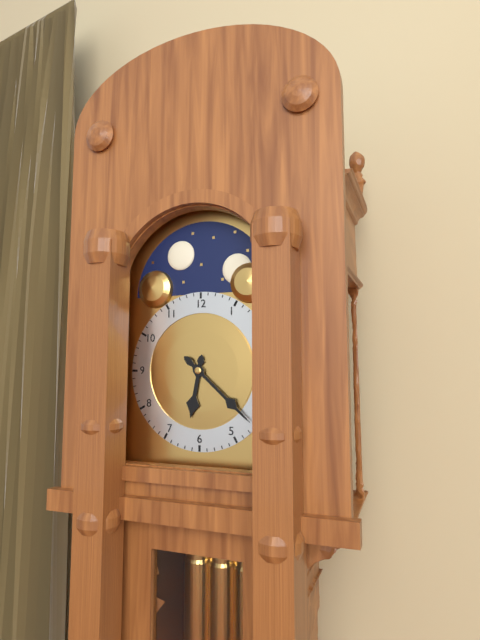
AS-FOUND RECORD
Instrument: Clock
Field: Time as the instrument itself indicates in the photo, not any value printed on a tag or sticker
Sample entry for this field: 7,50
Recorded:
6,22
